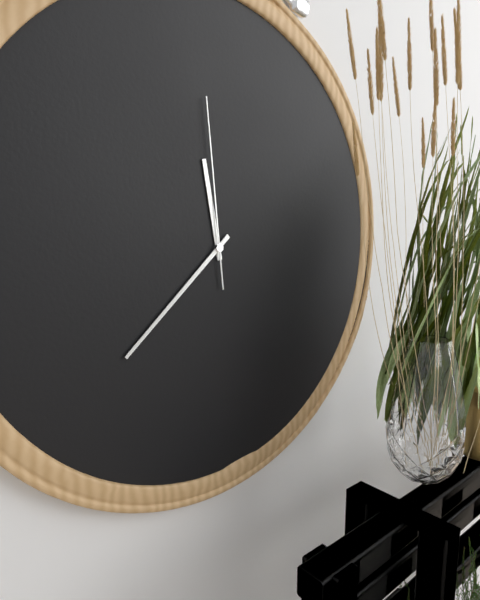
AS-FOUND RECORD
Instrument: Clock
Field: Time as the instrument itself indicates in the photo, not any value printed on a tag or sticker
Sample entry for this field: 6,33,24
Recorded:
11,38,59
